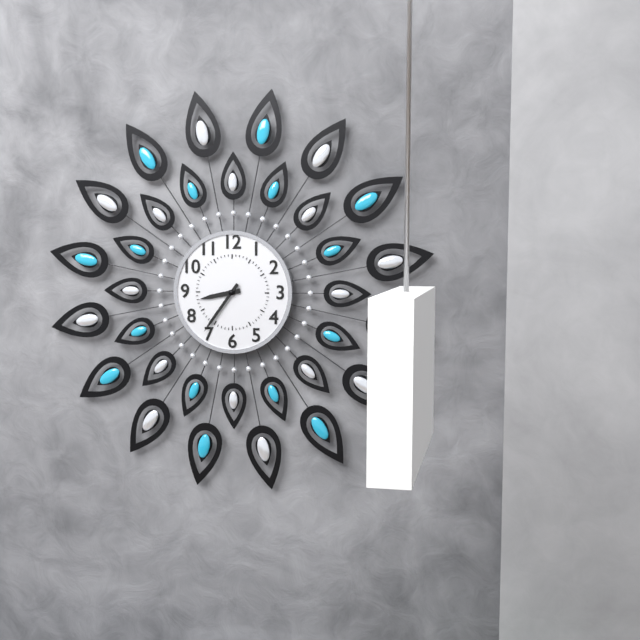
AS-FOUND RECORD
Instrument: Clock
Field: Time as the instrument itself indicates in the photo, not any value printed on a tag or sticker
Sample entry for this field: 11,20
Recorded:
8,36
